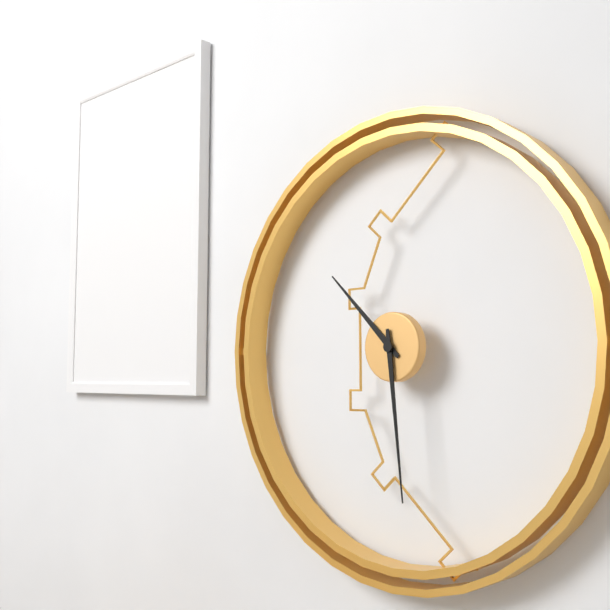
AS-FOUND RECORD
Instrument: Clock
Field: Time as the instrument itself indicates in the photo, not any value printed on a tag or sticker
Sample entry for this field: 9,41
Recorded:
10,29
